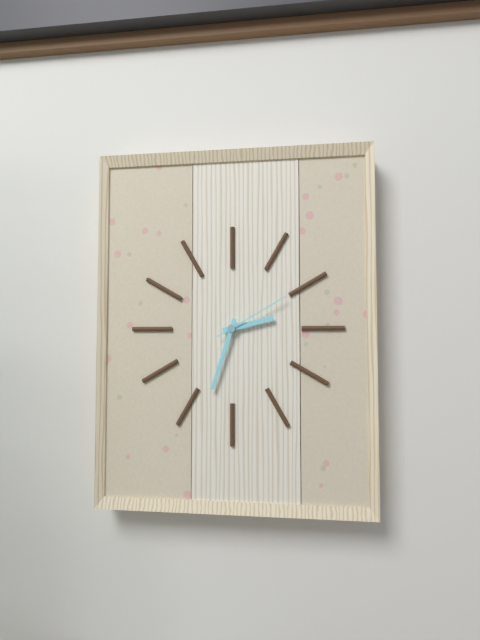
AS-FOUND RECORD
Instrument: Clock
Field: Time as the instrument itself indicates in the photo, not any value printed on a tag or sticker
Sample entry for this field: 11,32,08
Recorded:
2,33,10
